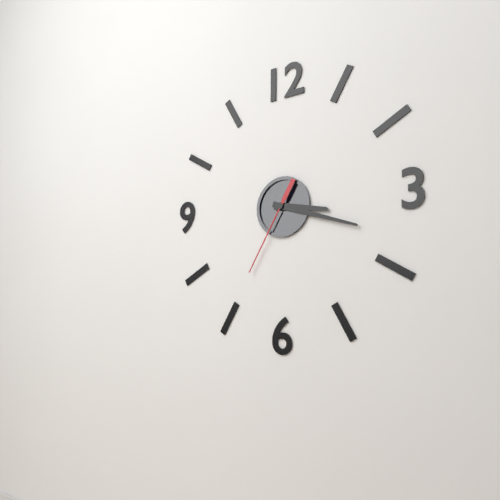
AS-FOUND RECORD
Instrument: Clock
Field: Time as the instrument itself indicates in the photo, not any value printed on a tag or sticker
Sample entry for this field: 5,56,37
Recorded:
3,18,35
